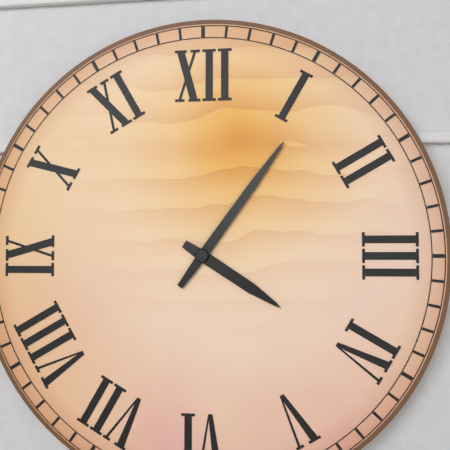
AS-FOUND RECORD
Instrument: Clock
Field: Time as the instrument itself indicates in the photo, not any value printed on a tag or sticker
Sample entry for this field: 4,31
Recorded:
4,06
